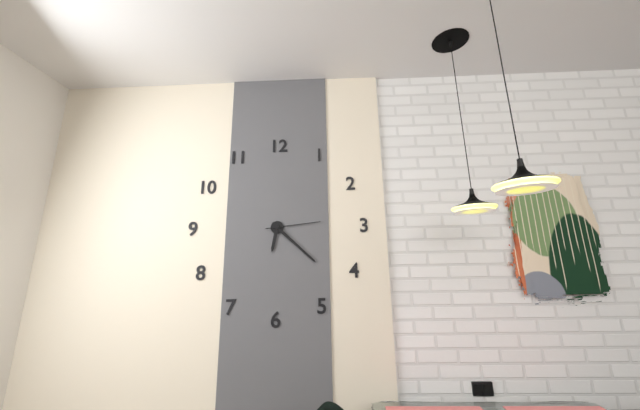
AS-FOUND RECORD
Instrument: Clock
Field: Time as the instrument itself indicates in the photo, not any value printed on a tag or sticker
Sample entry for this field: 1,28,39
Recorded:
6,22,14
